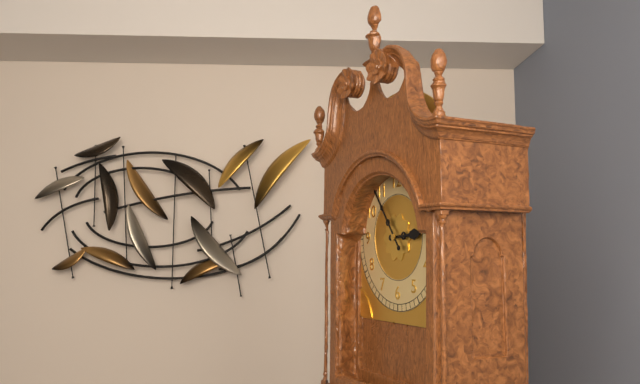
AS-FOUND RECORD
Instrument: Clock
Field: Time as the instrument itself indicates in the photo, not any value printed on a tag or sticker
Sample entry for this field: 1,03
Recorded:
2,54
